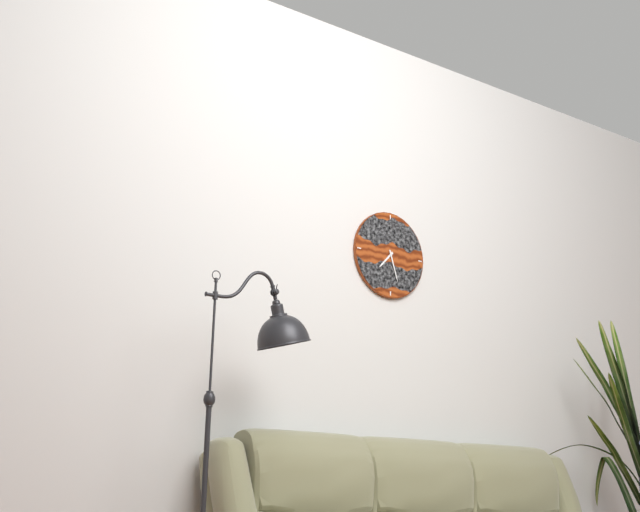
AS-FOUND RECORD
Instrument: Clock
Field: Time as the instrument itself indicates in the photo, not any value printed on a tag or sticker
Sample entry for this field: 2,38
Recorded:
7,27
